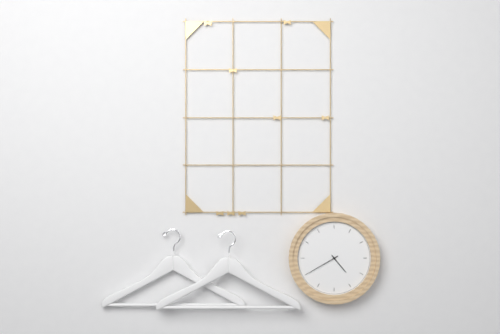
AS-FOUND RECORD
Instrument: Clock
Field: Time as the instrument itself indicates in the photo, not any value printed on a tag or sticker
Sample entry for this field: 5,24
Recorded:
4,40
